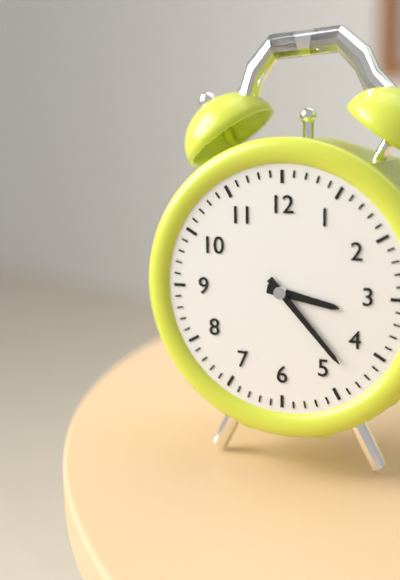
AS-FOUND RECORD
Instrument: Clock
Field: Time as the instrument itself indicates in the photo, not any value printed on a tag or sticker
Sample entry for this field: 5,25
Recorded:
3,23
